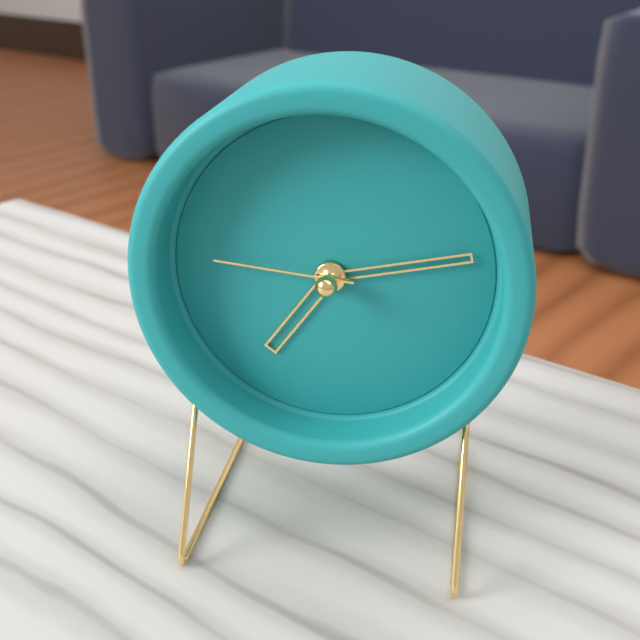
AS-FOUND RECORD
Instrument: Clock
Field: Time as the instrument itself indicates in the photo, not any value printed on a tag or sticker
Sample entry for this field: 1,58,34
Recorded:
7,13,46
